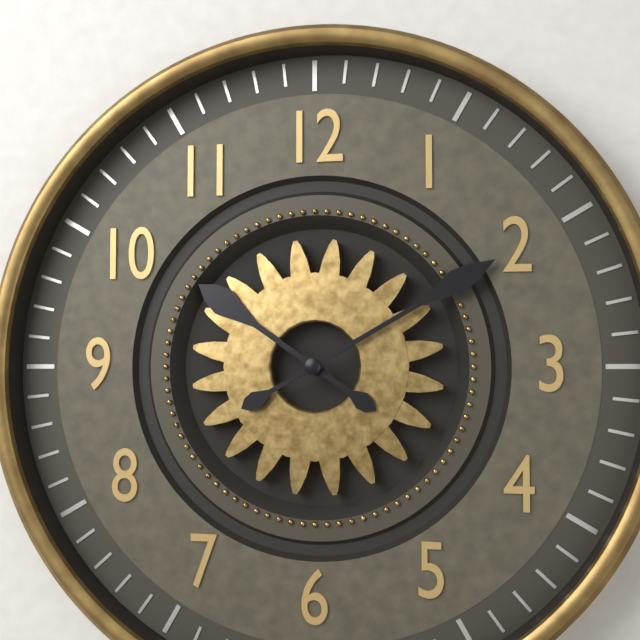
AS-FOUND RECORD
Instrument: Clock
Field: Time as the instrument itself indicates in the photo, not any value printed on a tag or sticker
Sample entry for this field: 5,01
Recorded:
10,10
